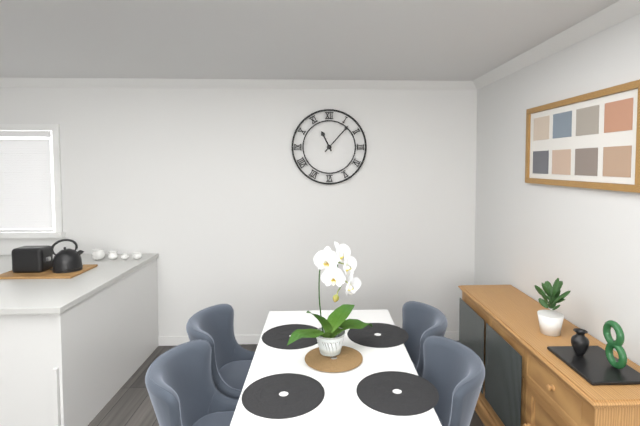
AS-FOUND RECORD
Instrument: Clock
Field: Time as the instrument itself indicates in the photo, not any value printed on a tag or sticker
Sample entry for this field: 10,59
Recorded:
11,07
